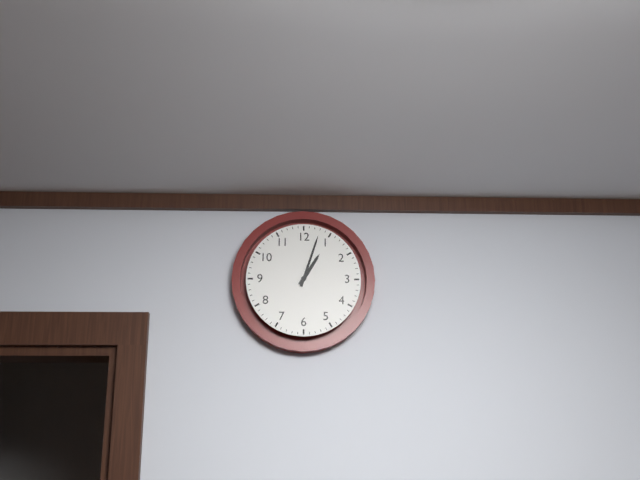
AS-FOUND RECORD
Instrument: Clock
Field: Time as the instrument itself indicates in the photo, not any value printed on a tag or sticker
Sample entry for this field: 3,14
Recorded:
1,03
